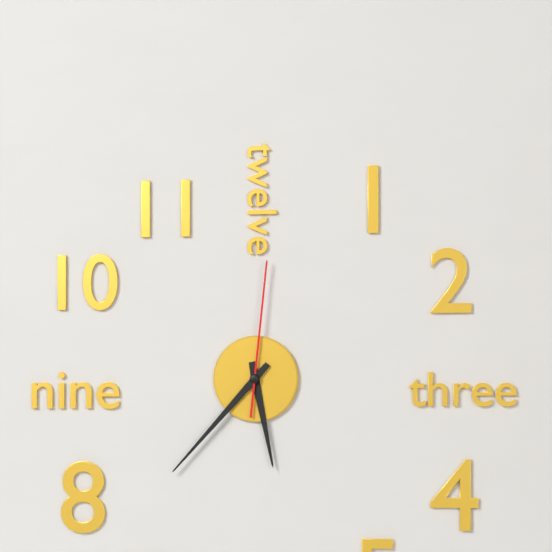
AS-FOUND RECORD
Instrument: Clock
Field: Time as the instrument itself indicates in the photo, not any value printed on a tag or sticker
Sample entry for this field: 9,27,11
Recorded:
5,37,01
